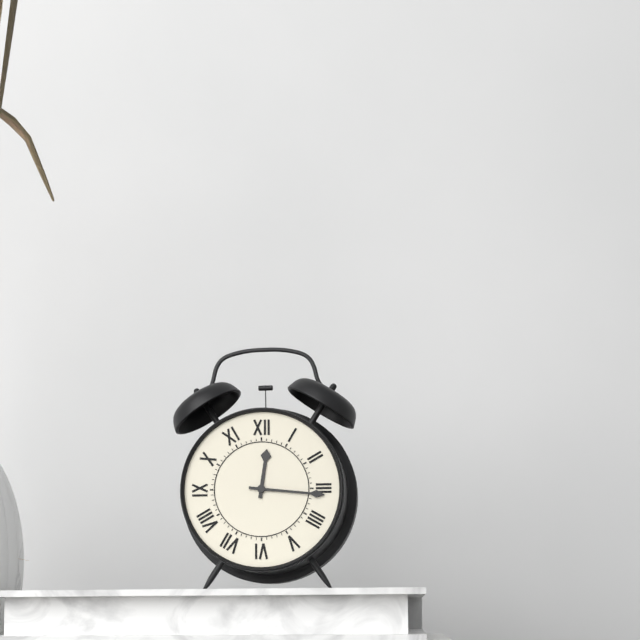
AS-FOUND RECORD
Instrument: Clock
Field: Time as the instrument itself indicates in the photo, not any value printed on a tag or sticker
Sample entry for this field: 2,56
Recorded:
12,16
